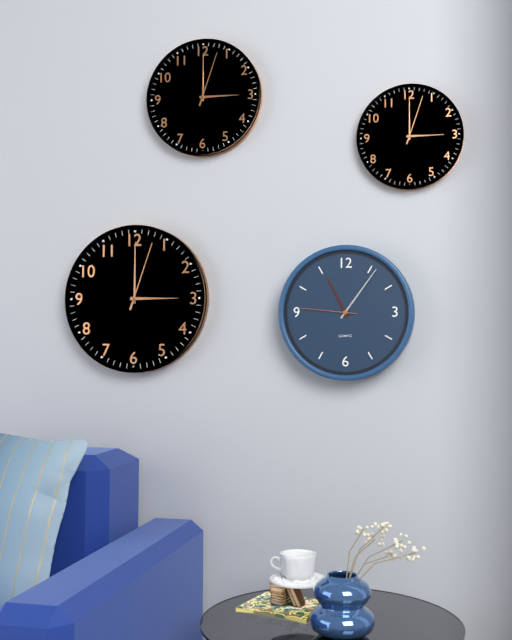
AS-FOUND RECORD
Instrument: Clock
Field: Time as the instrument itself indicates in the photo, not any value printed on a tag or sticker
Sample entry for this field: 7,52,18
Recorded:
11,06,46
